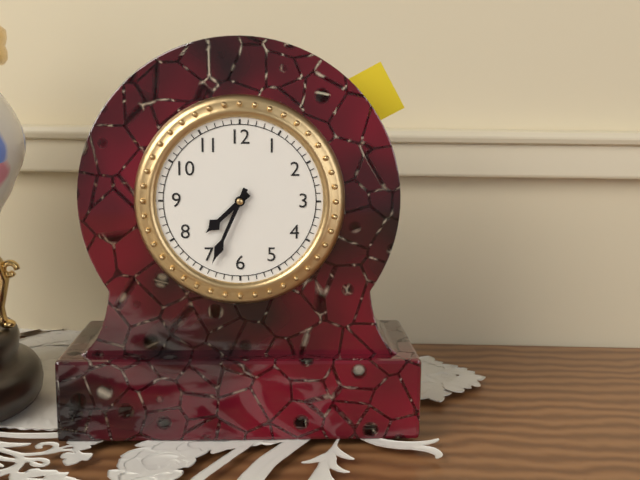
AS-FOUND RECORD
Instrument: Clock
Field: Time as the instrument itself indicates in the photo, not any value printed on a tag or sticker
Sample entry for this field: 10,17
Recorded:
7,34
